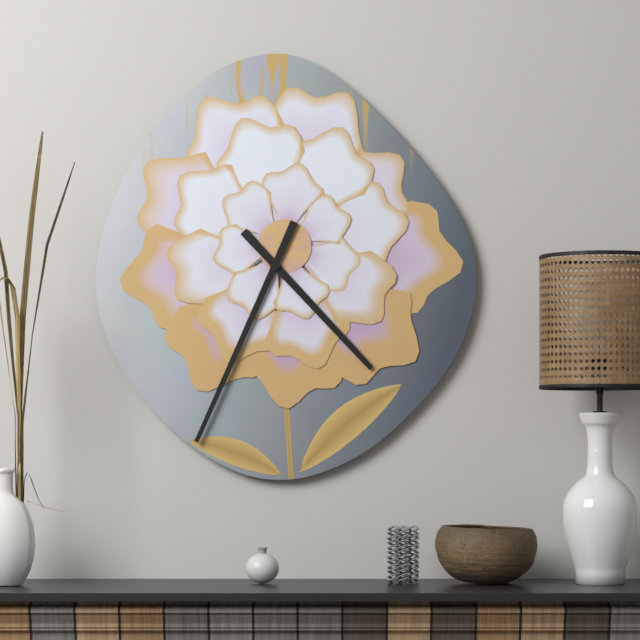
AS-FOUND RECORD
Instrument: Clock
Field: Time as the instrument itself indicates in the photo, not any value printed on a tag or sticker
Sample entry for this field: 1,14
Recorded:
4,34
